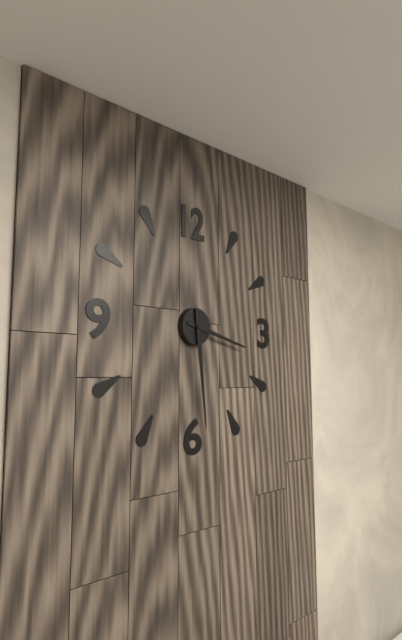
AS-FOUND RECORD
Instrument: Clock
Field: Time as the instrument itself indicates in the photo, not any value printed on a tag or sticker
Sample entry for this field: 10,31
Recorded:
3,29
